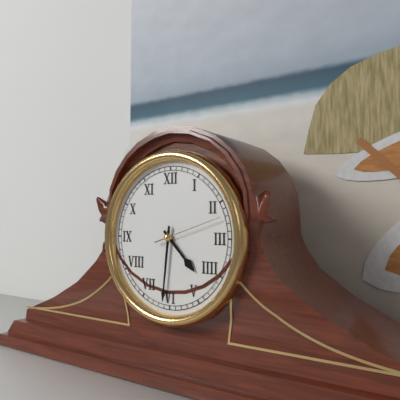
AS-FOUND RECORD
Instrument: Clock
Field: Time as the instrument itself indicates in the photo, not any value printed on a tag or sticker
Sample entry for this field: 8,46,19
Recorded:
4,31,12
